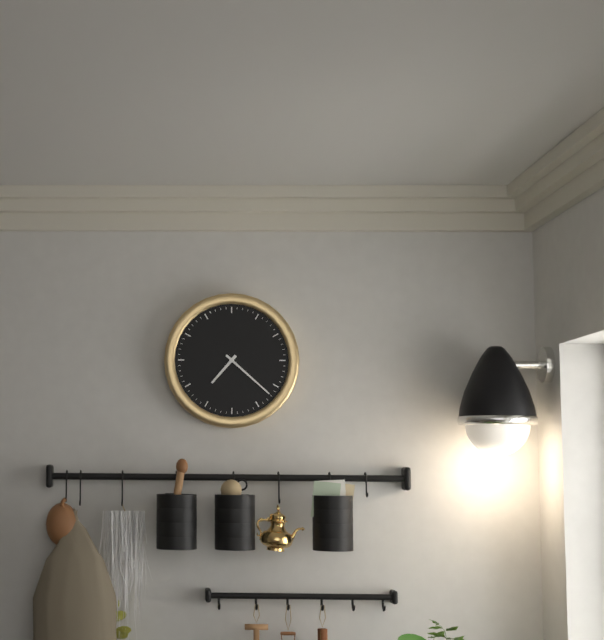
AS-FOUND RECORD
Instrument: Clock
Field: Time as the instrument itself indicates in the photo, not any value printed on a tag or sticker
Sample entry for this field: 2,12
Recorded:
7,22
